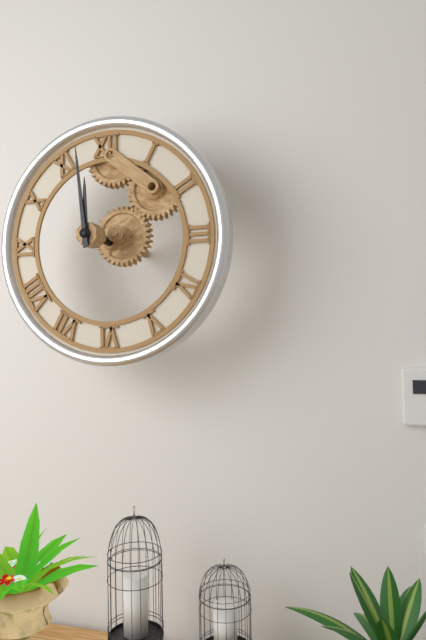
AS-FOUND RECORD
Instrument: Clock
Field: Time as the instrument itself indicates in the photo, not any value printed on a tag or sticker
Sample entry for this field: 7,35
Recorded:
11,59
